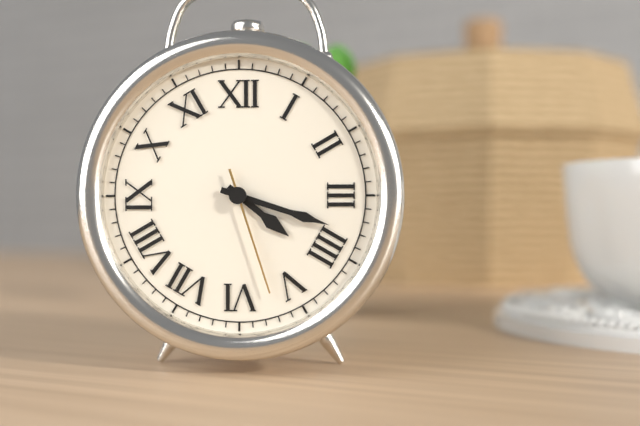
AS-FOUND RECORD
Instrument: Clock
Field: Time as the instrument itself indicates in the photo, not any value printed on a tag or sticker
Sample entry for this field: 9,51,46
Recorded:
4,18,27
